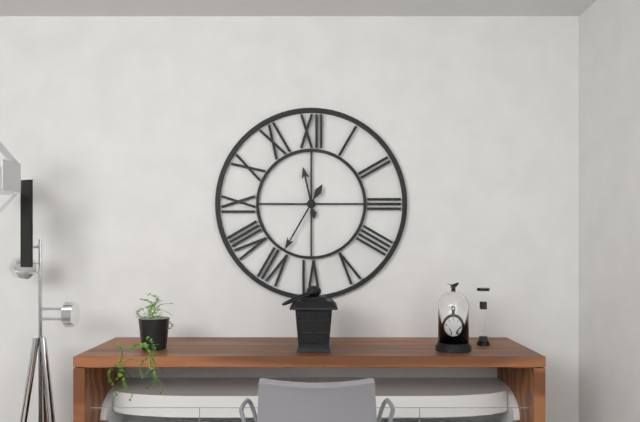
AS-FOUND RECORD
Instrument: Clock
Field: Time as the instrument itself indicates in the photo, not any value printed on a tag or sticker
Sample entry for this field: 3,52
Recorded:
11,35
